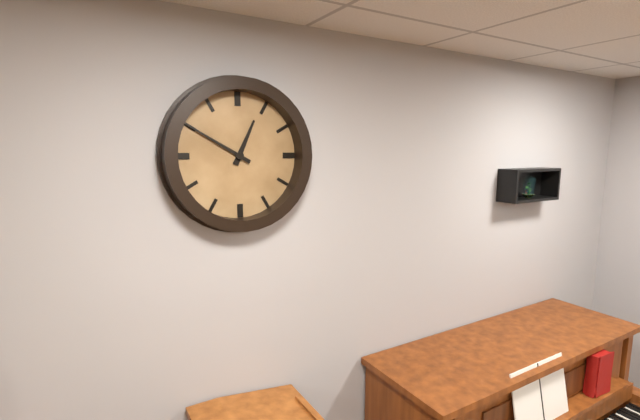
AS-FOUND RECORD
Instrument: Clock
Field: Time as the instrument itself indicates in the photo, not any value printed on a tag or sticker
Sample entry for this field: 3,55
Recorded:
12,50
